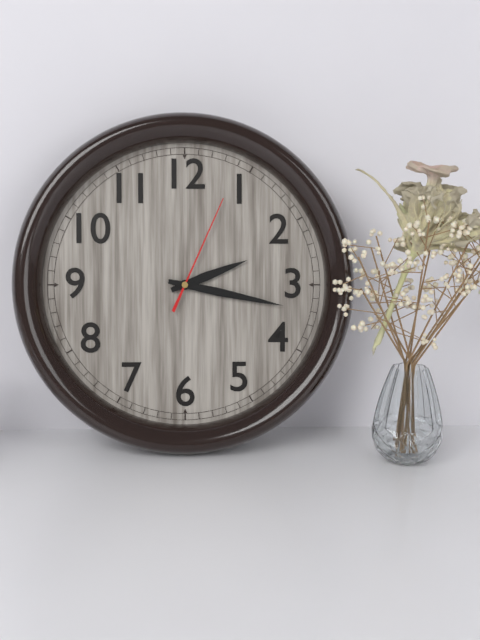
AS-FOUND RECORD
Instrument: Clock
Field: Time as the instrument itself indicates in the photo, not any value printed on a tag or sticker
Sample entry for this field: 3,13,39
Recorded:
2,17,04
